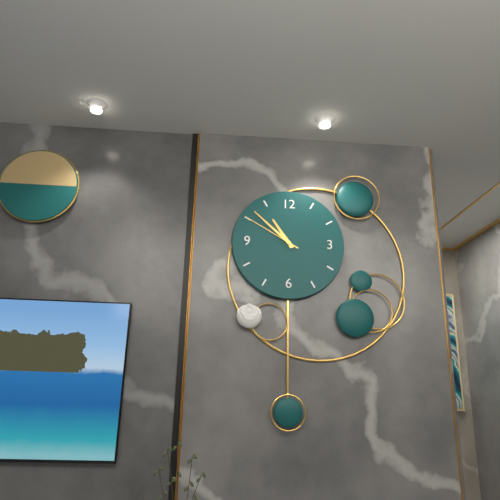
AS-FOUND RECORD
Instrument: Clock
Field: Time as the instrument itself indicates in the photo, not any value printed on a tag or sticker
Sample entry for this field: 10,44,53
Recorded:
10,52,50
